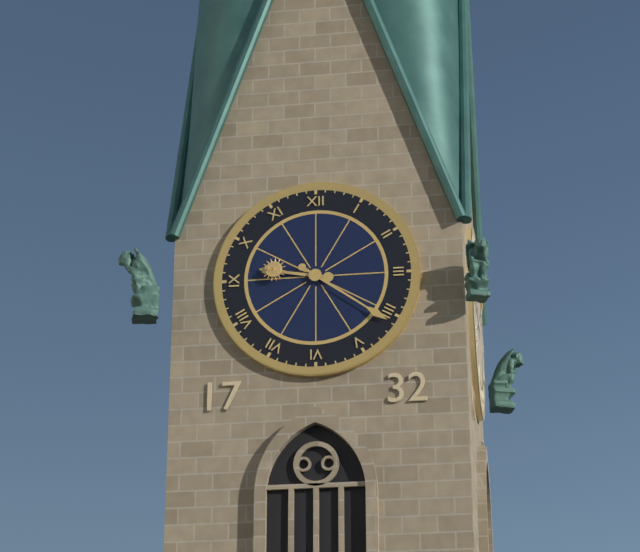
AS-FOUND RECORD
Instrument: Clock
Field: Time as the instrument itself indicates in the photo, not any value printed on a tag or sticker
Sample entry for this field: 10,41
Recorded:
9,21
